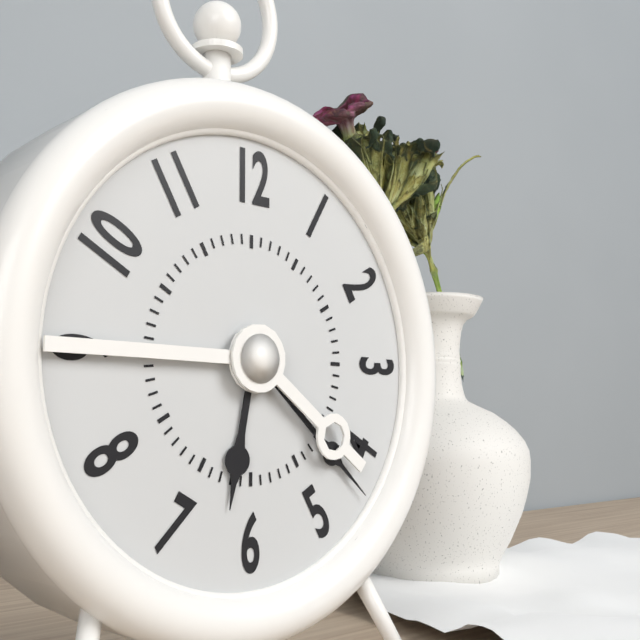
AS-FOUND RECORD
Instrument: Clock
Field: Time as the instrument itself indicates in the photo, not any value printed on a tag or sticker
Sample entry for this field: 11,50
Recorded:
6,22
